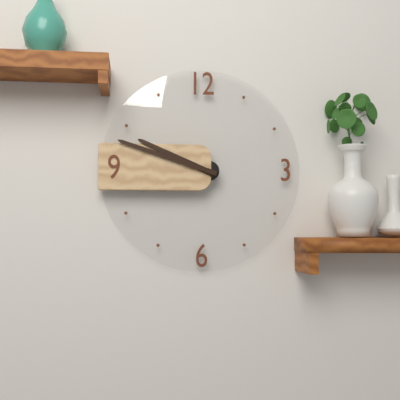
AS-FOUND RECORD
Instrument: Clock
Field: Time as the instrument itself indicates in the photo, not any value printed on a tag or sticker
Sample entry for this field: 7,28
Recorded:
9,48
